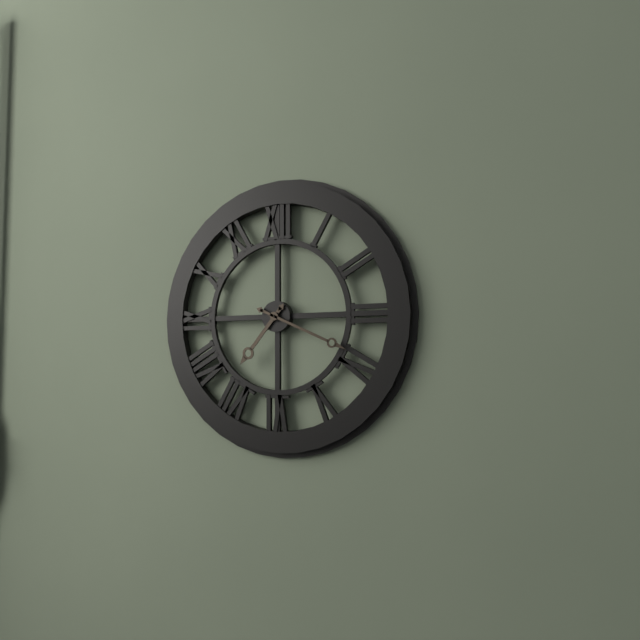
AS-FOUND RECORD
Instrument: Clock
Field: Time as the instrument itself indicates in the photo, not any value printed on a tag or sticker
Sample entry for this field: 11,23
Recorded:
7,19
